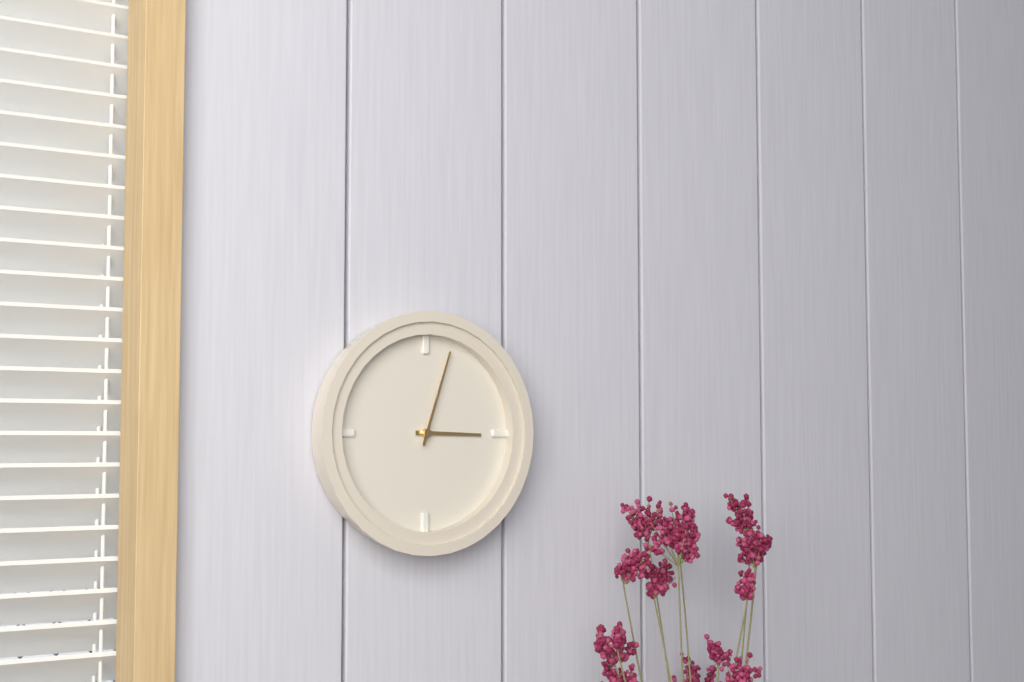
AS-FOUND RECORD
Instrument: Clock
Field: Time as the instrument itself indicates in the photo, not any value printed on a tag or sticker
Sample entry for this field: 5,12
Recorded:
3,03
